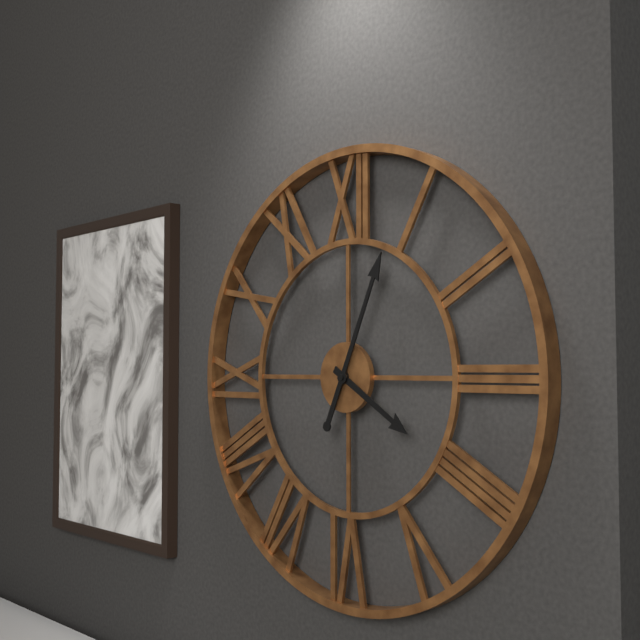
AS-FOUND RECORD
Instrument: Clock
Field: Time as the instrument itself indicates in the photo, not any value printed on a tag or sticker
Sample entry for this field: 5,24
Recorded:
4,04
